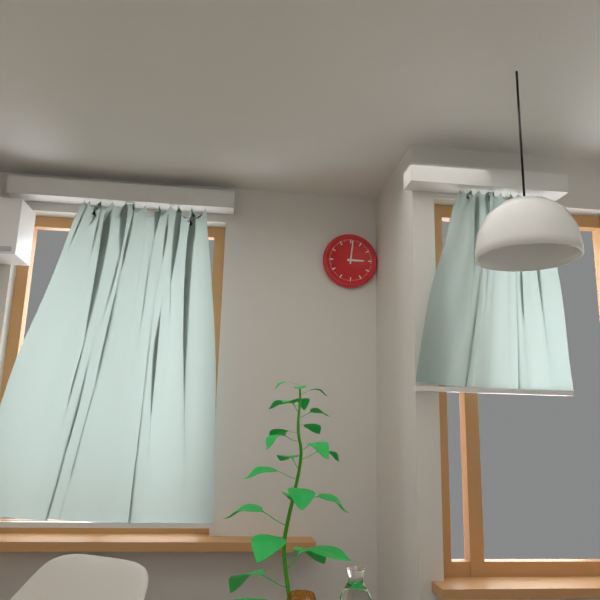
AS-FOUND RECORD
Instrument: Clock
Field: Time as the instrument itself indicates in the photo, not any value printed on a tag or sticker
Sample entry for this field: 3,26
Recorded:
3,01
